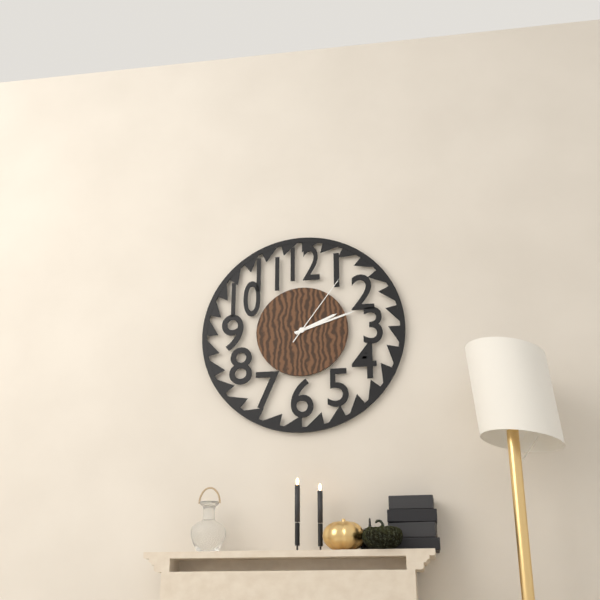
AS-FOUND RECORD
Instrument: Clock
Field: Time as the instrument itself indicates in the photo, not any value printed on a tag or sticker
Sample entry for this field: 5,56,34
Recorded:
2,12,06
